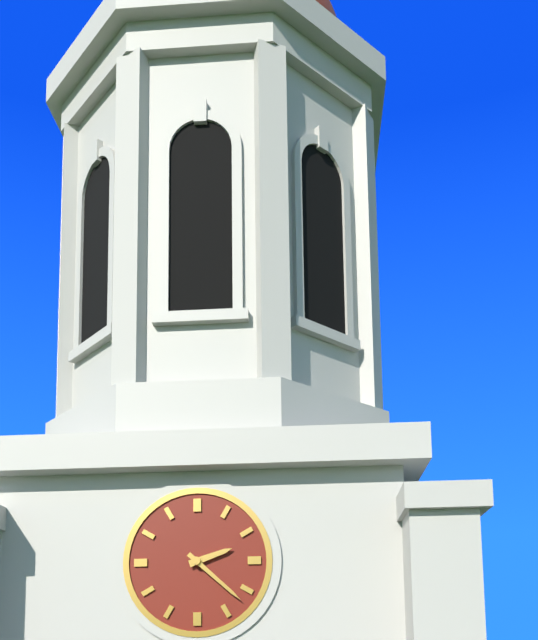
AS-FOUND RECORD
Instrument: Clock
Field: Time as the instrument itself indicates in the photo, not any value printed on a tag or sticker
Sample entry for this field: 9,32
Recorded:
2,22
